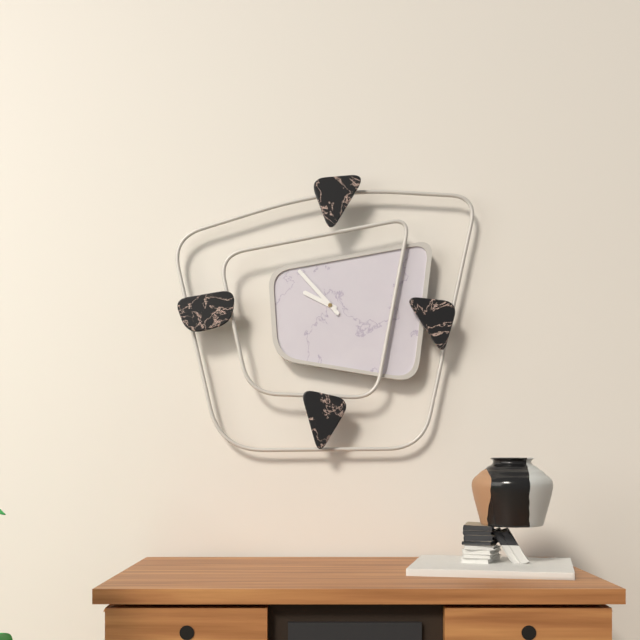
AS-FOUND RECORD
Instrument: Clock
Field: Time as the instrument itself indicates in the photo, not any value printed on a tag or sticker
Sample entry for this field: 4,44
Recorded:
9,53
